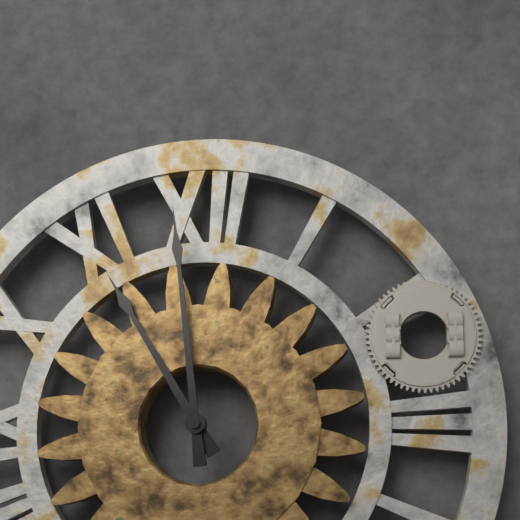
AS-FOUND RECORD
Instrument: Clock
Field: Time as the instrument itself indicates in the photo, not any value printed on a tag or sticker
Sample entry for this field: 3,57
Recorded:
10,59
